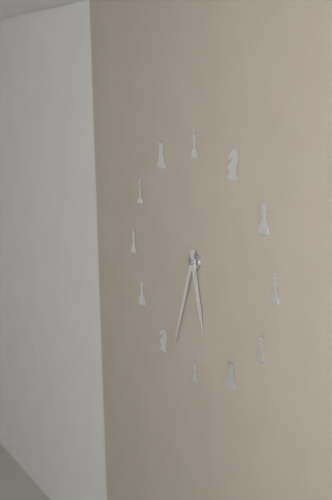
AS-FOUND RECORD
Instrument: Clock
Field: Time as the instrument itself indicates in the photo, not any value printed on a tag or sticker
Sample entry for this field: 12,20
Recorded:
5,33
